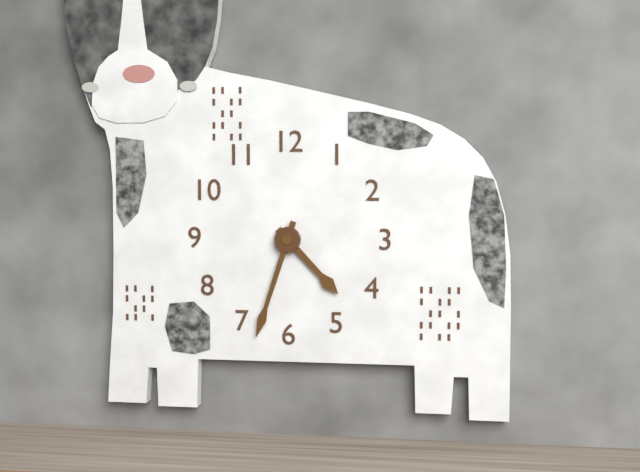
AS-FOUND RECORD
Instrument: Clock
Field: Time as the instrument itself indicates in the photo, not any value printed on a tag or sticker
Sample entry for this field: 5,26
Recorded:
4,33
